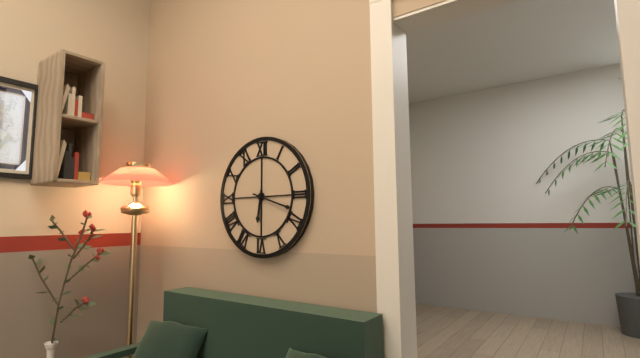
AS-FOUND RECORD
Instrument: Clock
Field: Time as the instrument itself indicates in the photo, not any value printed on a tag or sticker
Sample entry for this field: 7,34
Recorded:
6,18
